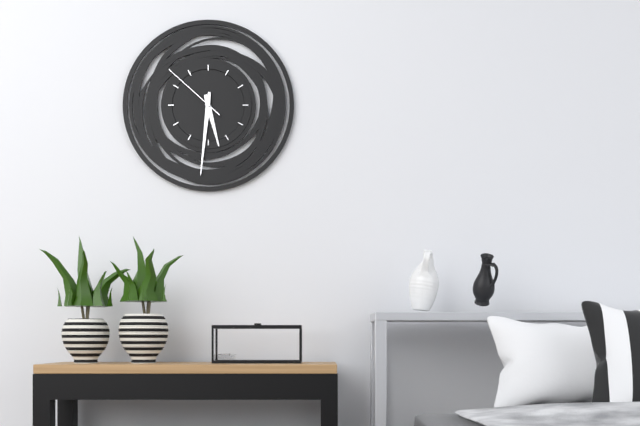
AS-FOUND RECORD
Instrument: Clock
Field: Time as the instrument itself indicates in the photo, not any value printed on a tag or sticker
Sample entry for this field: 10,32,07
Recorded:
5,31,52
